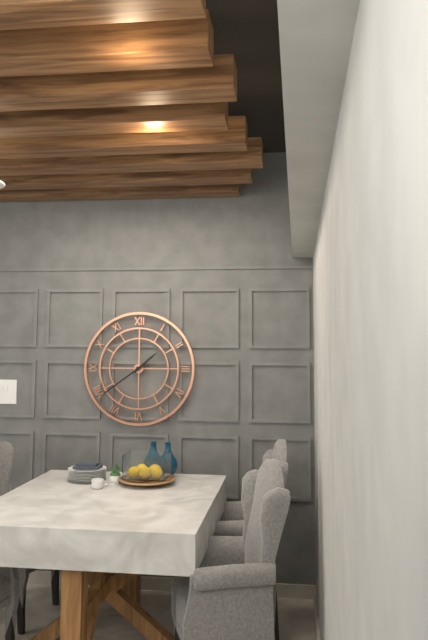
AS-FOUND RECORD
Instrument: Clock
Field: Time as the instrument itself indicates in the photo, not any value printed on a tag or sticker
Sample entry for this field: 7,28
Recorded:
1,39
